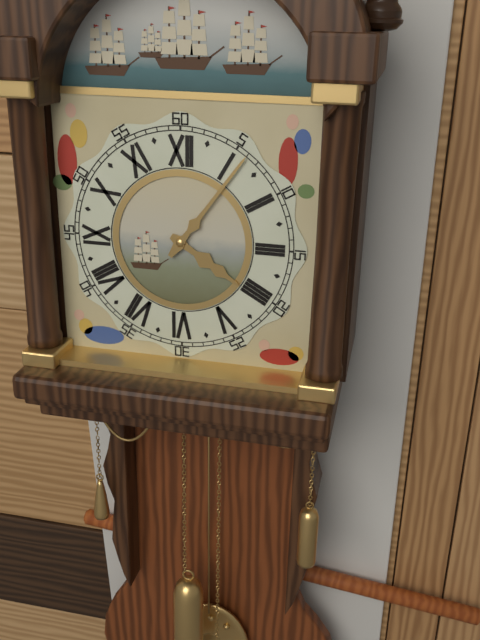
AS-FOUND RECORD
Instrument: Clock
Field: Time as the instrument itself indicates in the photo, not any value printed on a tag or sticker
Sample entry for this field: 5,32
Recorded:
4,06
